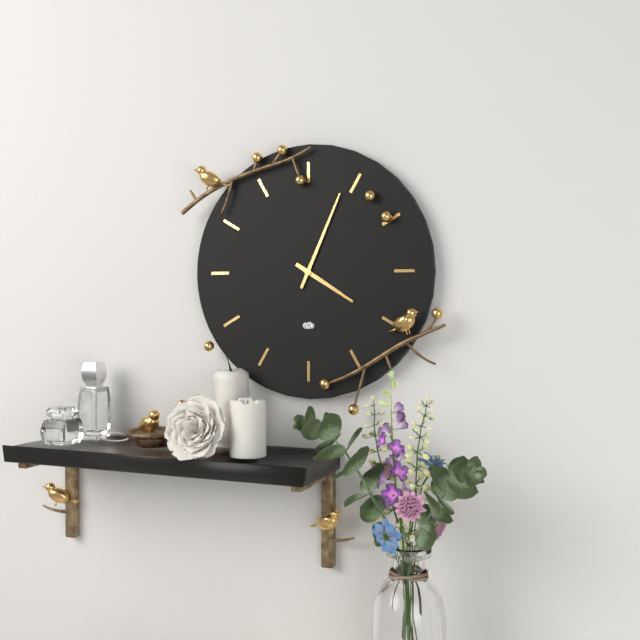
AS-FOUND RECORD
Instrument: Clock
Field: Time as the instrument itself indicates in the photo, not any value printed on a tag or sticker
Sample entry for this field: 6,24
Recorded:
4,04
